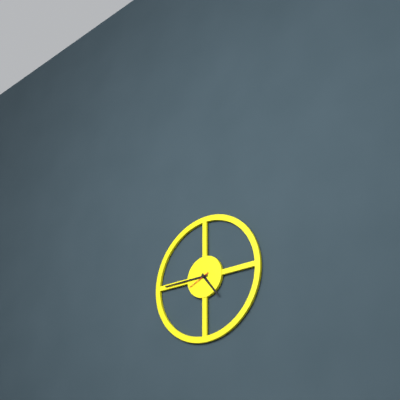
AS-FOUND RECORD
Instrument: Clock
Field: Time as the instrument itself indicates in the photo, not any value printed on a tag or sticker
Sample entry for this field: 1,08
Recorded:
4,45
